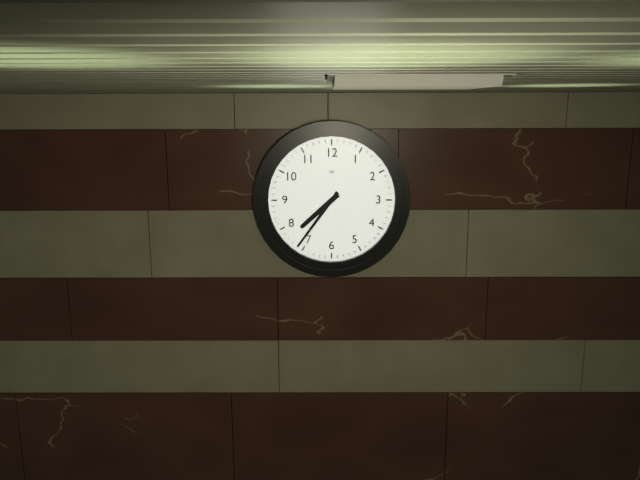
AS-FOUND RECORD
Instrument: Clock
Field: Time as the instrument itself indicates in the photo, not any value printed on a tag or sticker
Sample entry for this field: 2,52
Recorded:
7,36
